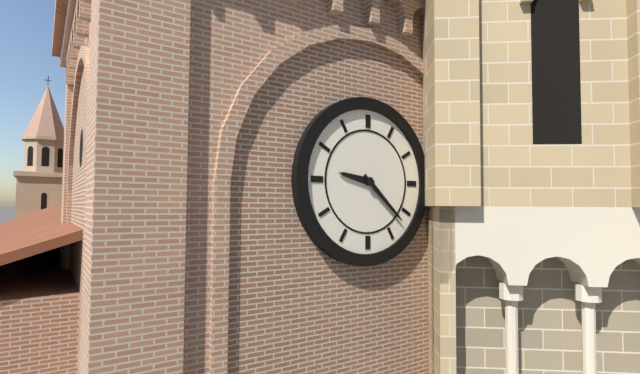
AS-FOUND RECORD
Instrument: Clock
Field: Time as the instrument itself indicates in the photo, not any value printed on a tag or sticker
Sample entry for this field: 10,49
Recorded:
9,22
